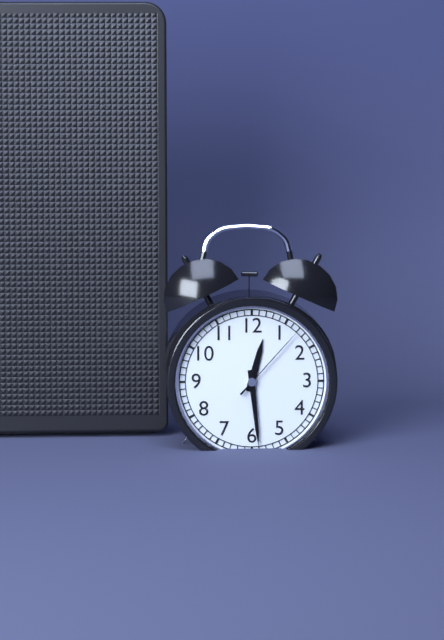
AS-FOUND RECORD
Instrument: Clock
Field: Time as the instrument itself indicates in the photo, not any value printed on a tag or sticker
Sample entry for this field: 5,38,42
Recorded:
12,29,07
